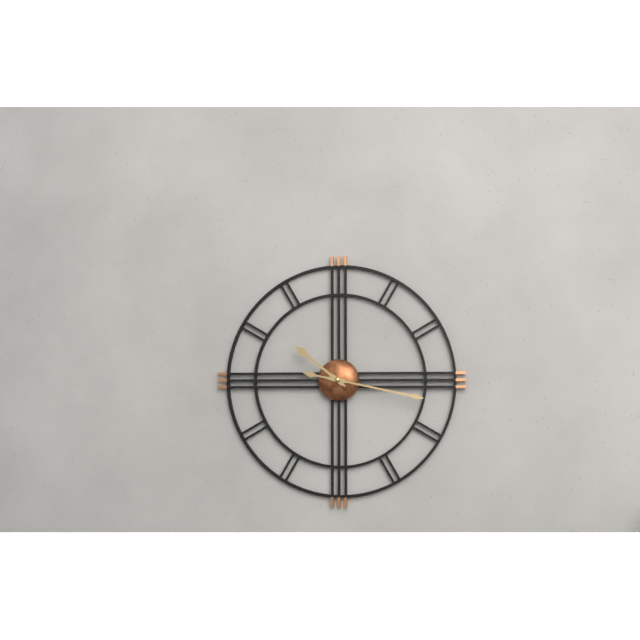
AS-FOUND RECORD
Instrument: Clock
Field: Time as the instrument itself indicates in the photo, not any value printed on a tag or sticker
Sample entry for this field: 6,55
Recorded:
10,17
